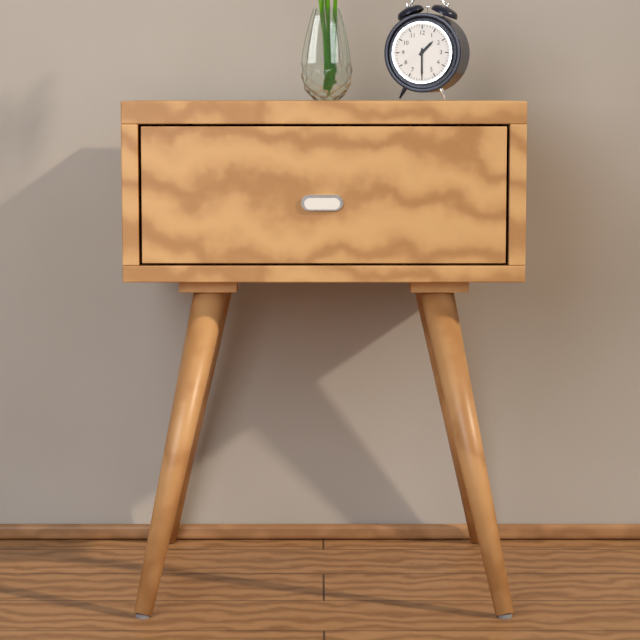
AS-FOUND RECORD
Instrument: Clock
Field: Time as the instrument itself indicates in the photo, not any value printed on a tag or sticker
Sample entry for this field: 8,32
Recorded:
1,30
